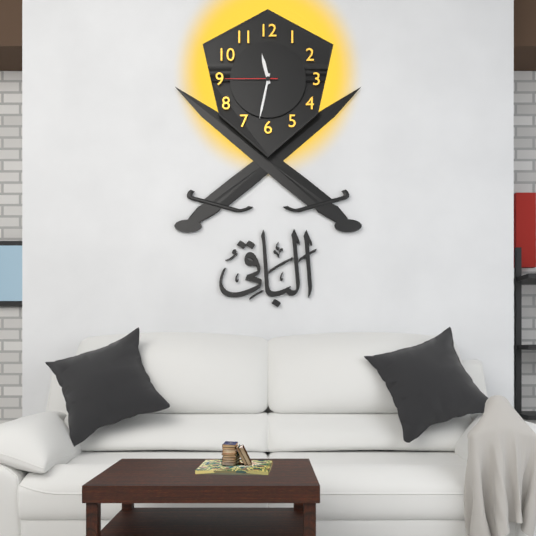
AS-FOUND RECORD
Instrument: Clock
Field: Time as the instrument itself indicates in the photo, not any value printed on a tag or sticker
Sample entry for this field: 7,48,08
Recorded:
11,32,45
